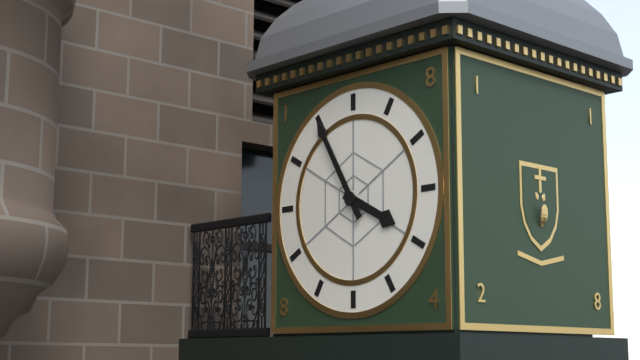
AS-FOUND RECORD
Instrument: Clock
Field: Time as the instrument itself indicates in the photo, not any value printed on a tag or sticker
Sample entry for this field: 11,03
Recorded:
3,55
